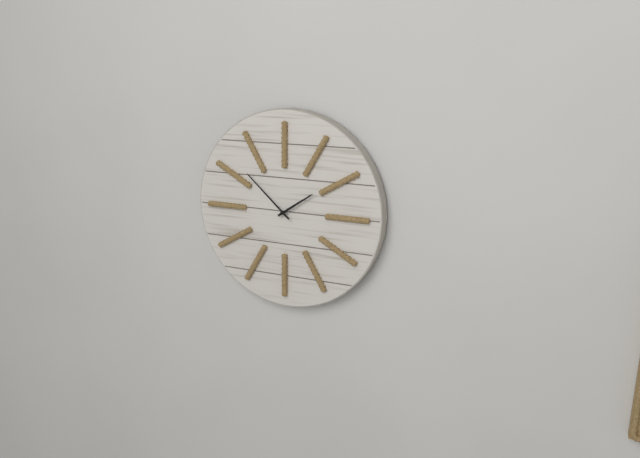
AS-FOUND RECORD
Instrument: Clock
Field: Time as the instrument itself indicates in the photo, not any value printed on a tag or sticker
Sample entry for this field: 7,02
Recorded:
1,52
